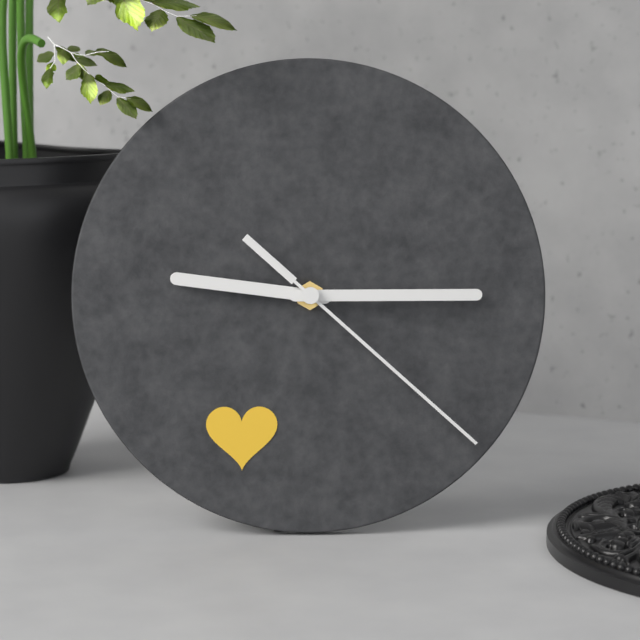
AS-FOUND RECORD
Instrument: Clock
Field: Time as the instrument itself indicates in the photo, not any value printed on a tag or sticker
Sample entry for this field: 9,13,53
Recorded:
9,15,22
